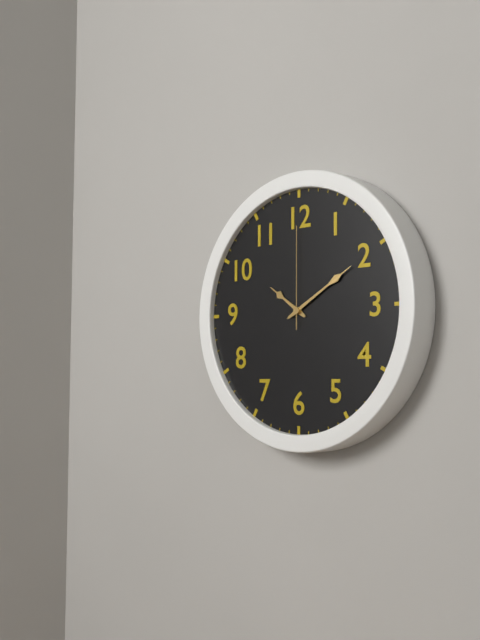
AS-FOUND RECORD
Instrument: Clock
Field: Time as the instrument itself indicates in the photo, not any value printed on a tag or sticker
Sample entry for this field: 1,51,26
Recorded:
10,10,00
